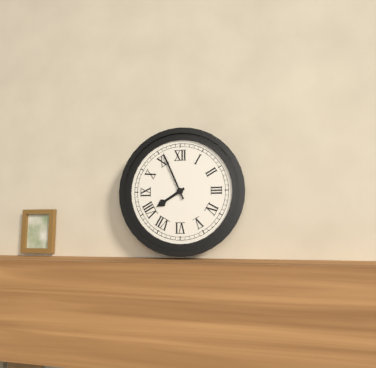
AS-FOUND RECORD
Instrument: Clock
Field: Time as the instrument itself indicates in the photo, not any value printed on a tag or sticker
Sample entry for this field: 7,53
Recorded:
7,56
